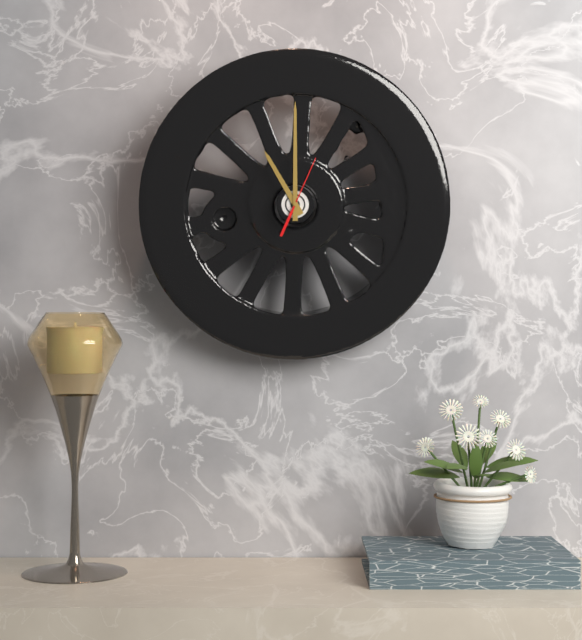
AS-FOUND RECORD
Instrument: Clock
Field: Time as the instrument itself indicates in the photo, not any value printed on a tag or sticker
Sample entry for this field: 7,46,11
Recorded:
11,00,04
